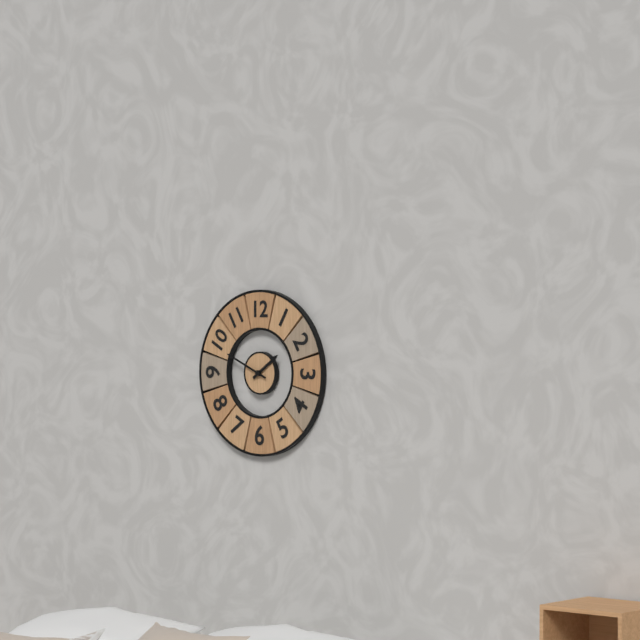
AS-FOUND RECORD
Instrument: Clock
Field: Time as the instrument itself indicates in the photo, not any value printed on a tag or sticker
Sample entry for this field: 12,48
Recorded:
1,49
